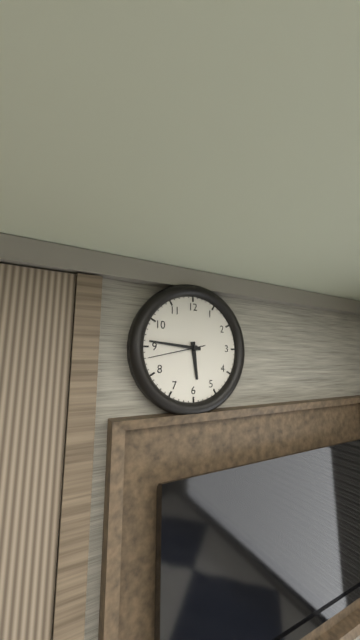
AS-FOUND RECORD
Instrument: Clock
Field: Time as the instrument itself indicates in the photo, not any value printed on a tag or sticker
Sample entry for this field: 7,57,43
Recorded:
5,46,43
